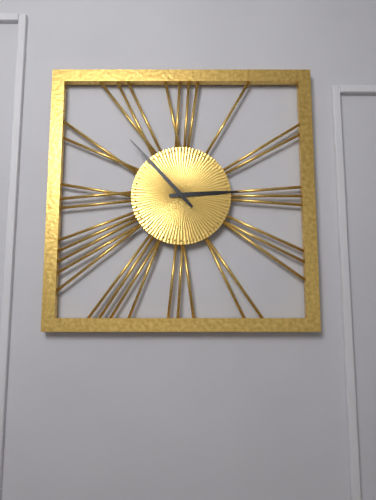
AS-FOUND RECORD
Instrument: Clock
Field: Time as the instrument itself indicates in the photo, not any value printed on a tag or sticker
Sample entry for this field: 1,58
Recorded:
2,53
